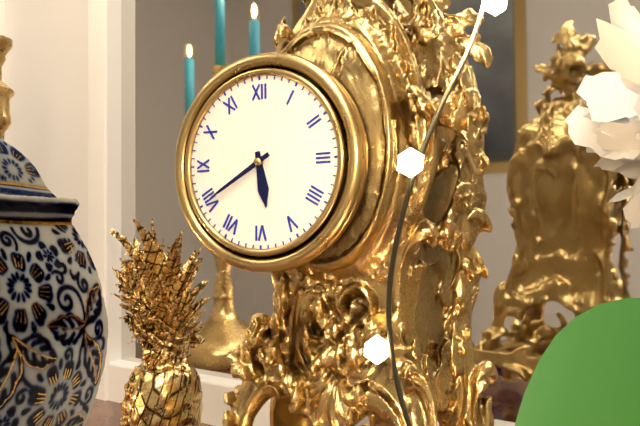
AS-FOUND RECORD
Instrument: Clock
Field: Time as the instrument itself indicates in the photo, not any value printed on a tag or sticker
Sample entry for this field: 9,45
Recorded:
5,40
